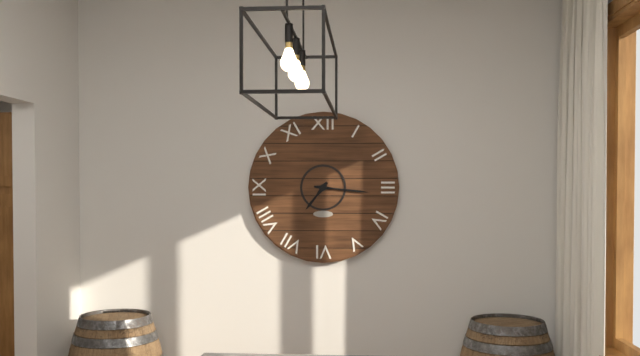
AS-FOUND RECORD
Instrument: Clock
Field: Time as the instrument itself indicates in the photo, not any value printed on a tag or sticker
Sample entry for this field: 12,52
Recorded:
7,16
